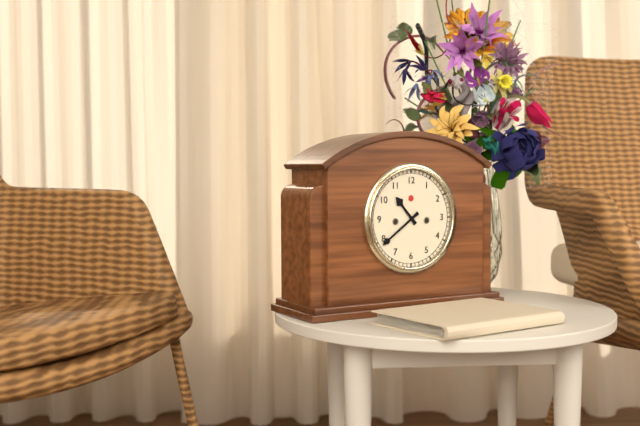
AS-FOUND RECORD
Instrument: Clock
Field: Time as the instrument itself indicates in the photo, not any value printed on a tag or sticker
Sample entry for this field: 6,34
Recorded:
10,39
